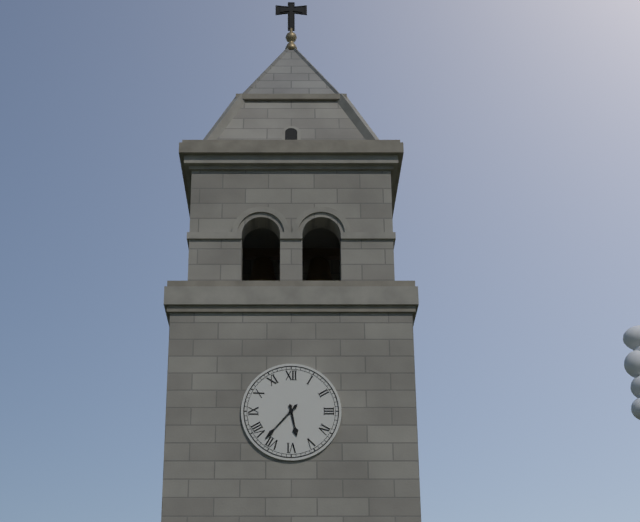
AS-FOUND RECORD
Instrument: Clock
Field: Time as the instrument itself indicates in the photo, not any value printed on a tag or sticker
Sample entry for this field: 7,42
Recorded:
5,37
